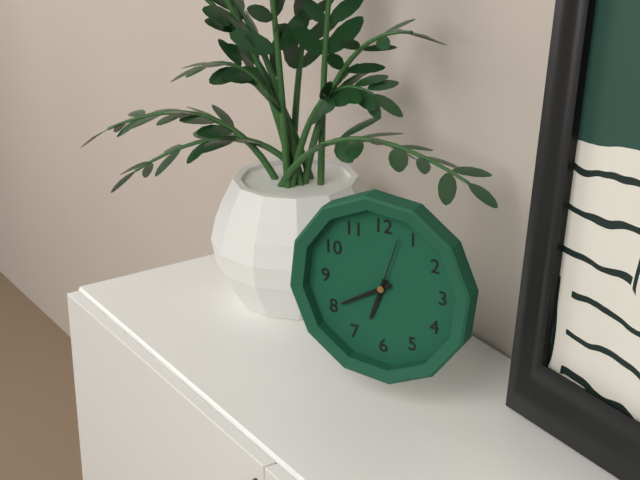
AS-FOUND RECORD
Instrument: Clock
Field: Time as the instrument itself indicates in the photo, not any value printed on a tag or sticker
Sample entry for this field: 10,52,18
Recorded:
6,40,03
